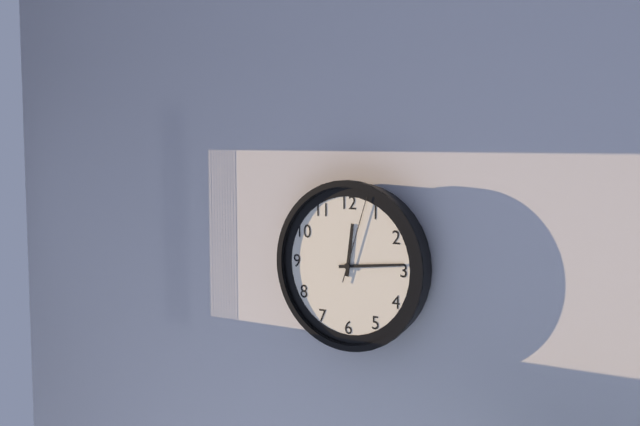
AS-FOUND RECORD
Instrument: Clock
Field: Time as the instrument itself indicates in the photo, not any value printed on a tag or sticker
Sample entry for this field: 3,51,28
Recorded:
12,14,03
